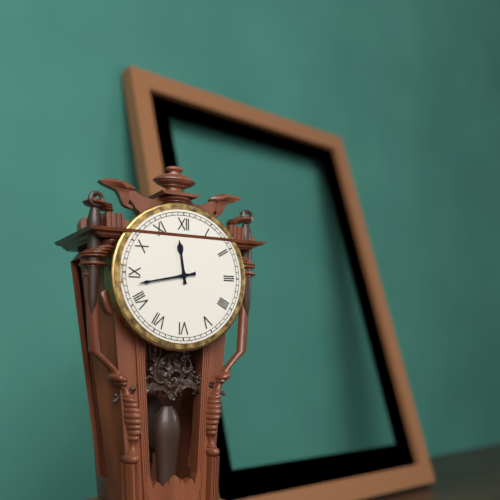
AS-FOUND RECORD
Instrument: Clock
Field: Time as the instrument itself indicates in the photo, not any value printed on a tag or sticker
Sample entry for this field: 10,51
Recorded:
11,43
